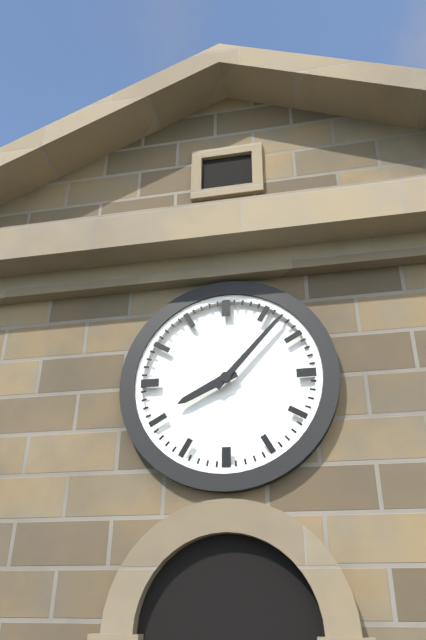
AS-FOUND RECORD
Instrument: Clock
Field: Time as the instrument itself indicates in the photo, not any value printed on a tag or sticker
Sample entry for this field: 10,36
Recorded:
8,07
